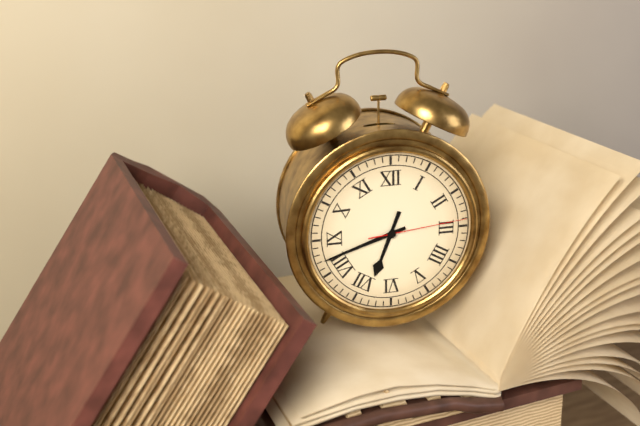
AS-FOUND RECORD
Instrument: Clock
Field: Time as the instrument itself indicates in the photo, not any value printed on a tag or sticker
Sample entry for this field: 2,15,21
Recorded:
6,42,14
